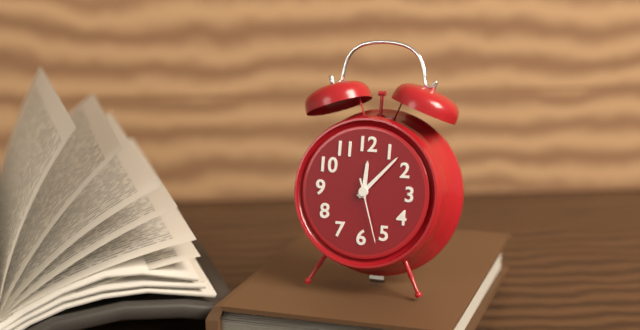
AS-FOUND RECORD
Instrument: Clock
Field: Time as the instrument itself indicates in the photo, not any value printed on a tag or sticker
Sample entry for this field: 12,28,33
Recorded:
12,07,27
